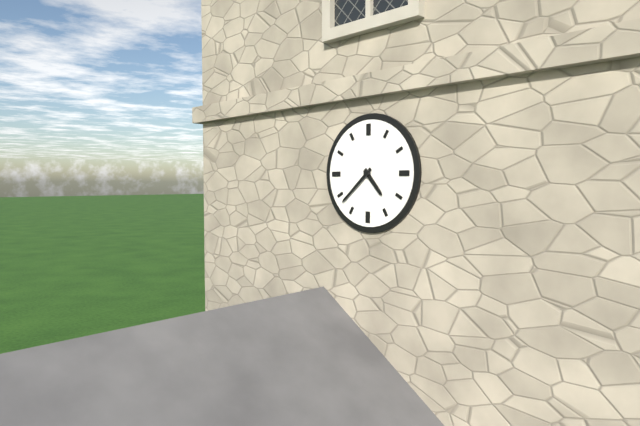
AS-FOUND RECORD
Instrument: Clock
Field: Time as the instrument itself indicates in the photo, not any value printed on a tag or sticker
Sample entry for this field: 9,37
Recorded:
4,38
